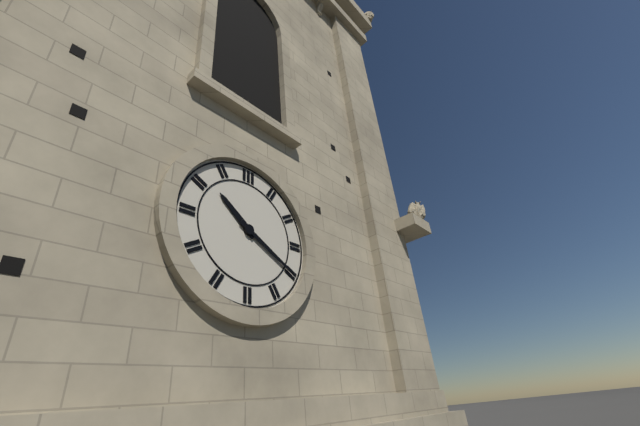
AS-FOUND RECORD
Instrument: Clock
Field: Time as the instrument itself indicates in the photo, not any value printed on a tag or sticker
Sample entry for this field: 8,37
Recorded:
10,20
